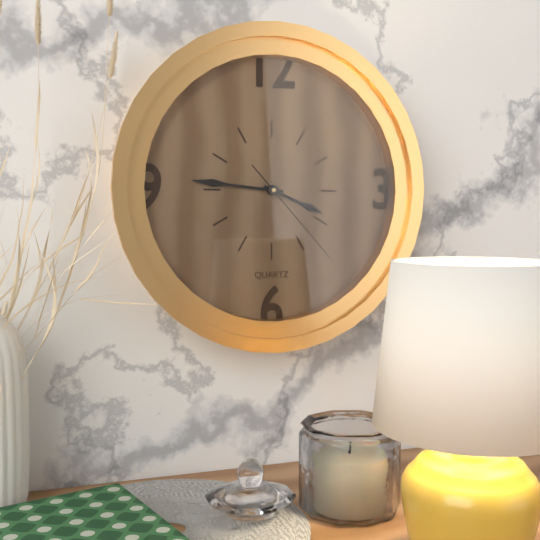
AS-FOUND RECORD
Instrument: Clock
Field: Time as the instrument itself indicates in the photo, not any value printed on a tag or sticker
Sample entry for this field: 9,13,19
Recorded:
3,46,23
